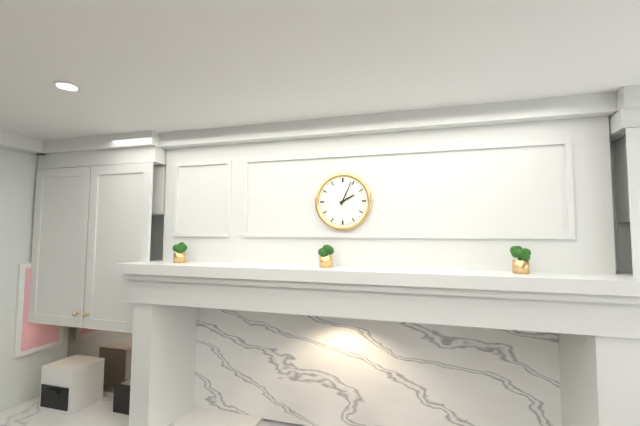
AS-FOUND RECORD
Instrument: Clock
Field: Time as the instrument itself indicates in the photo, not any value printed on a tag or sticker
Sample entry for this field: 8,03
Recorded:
2,04
